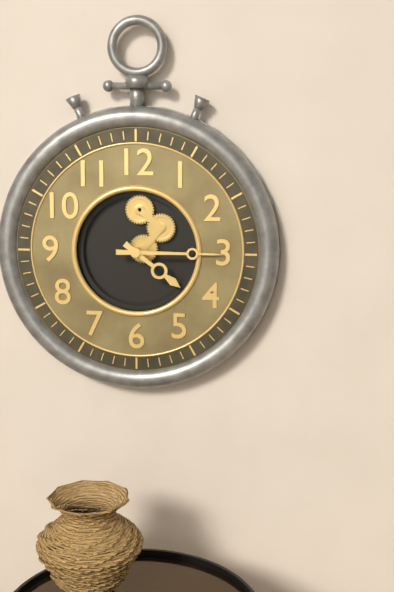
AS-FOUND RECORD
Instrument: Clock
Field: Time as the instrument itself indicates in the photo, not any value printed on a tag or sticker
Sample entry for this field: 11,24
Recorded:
4,15
